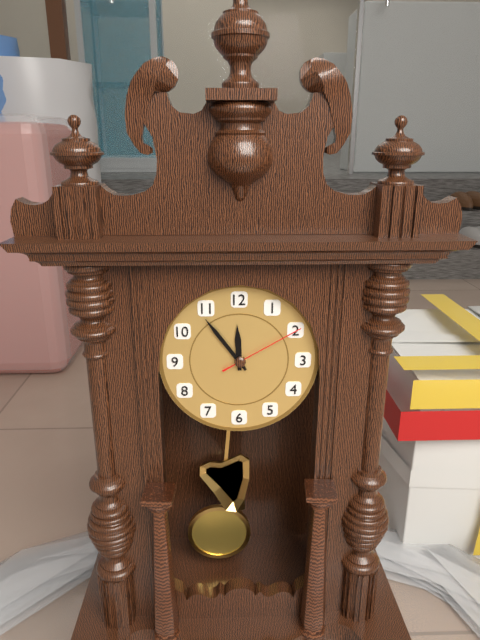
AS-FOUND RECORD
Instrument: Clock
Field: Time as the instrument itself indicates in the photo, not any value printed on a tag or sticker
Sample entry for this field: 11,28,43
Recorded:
11,54,10
